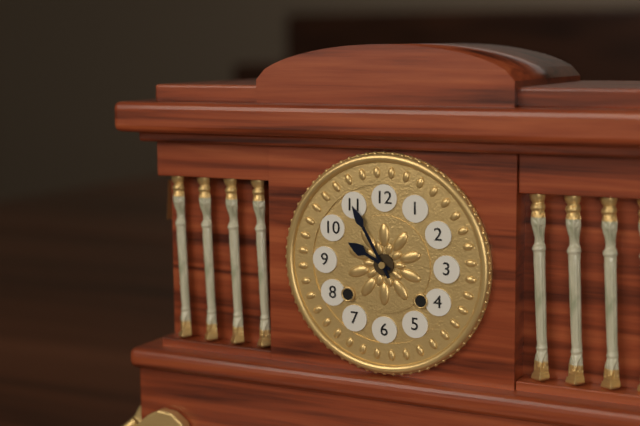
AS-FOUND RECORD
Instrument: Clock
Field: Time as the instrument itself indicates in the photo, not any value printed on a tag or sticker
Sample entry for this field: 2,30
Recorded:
9,55
